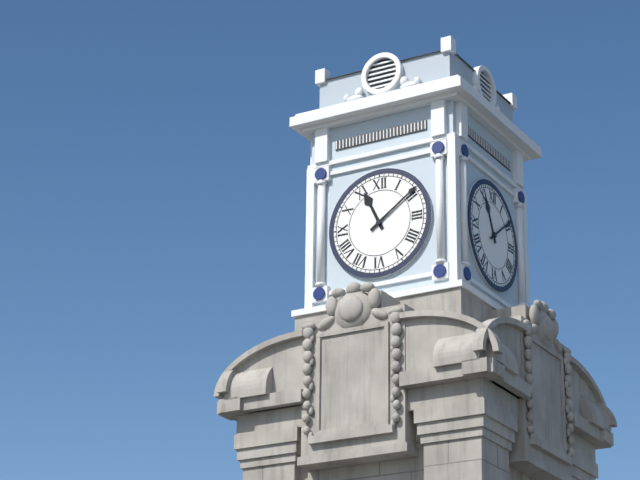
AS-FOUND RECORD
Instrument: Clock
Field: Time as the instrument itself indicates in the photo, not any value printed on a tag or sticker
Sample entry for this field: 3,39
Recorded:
11,09
